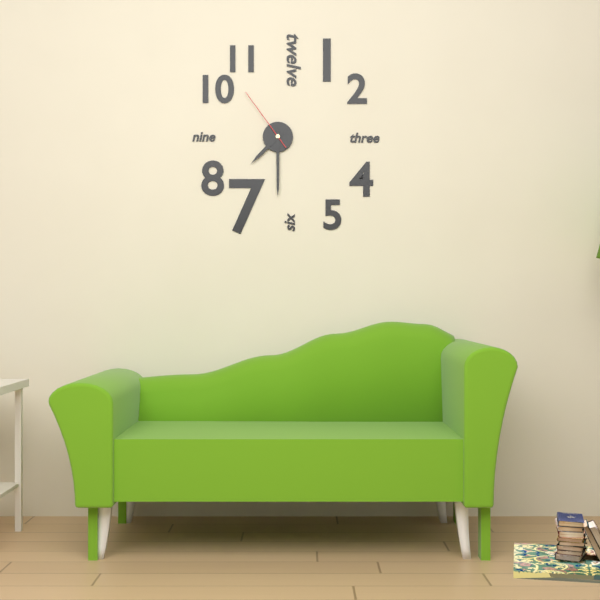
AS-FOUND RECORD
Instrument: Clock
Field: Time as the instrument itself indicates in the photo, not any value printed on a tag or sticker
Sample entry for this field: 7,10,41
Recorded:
7,30,54
